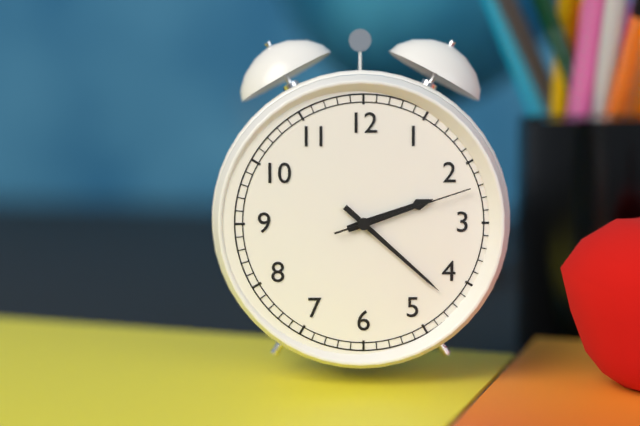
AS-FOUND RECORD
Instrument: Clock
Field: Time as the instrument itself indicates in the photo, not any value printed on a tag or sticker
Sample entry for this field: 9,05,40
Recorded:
2,22,12
